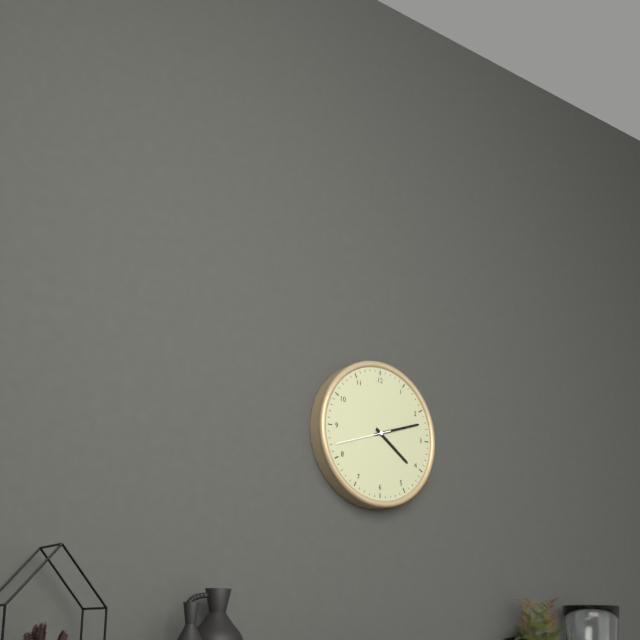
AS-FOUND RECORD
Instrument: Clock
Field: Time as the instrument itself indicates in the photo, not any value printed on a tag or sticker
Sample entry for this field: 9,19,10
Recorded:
4,12,42
